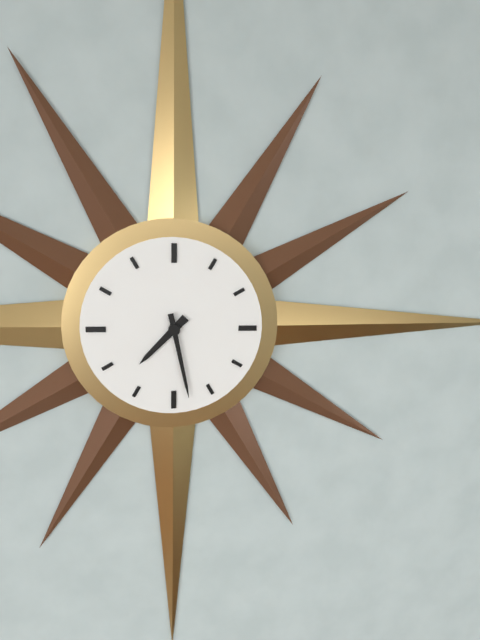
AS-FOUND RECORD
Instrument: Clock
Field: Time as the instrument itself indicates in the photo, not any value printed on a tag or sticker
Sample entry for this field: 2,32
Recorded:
7,28
